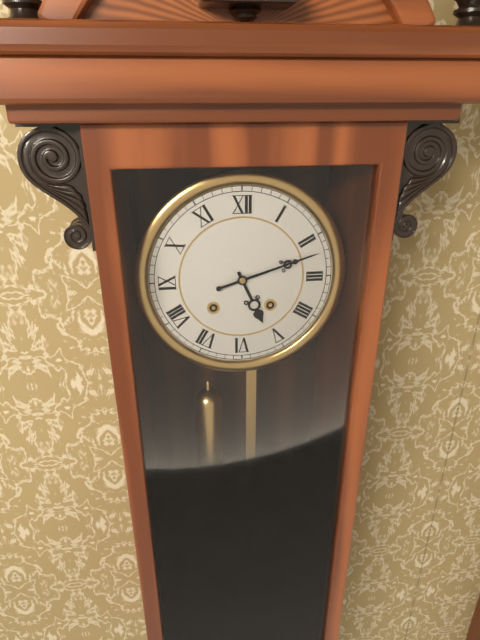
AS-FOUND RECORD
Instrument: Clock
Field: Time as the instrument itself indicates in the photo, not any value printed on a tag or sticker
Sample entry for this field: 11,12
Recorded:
5,12
